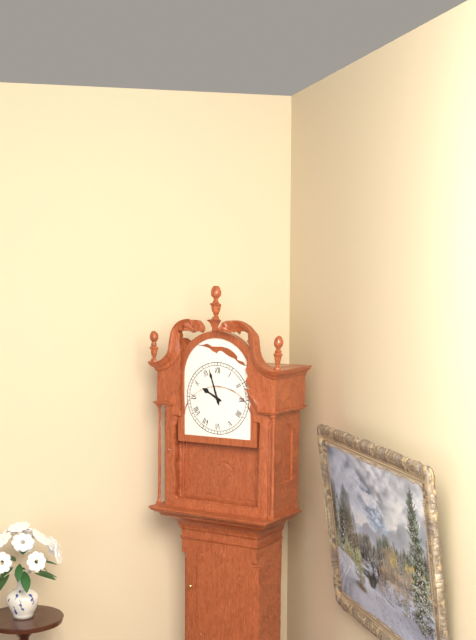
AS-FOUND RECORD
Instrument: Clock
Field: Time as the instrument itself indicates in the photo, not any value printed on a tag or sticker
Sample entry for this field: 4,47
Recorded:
9,57
